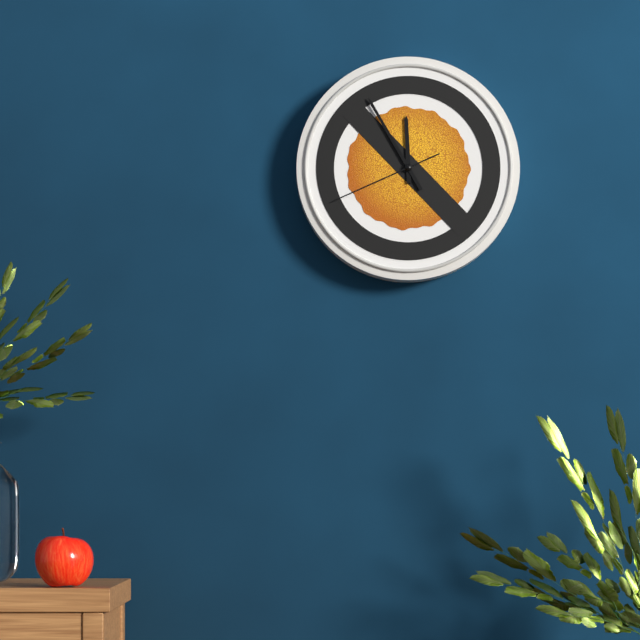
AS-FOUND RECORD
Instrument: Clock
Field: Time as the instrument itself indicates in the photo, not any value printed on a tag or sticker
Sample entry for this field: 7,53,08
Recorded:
11,55,41
